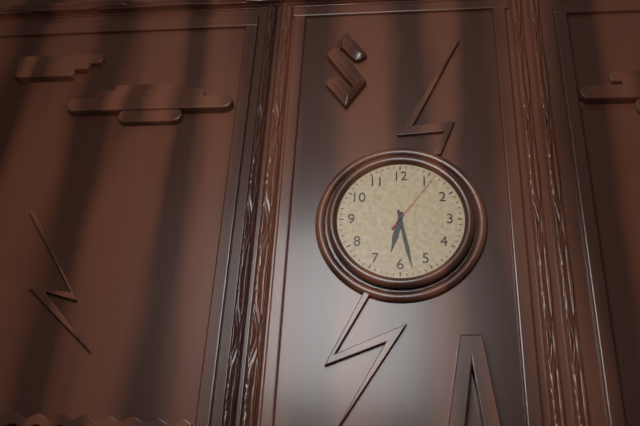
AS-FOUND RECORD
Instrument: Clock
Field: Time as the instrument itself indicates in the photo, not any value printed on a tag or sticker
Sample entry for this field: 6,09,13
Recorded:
6,28,06
